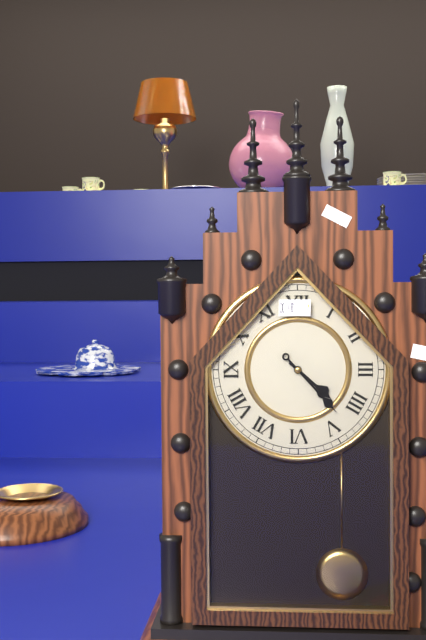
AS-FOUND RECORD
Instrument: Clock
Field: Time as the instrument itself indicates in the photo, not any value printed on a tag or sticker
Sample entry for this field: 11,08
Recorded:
4,23
